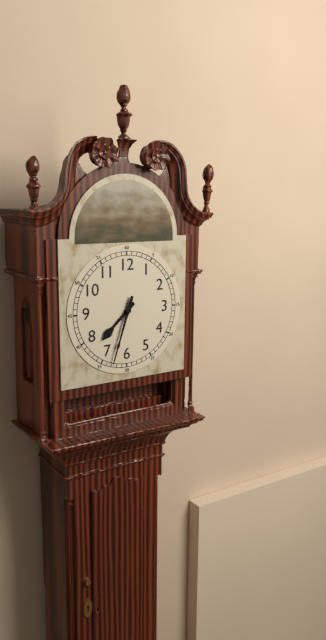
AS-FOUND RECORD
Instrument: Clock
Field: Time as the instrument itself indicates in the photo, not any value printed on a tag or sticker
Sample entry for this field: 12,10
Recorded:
7,33
